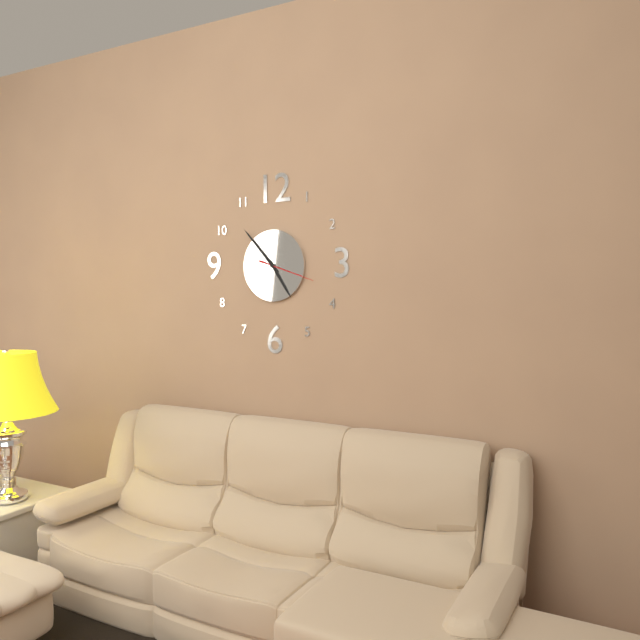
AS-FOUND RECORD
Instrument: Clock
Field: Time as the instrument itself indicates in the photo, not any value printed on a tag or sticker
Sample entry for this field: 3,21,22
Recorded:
4,53,18
